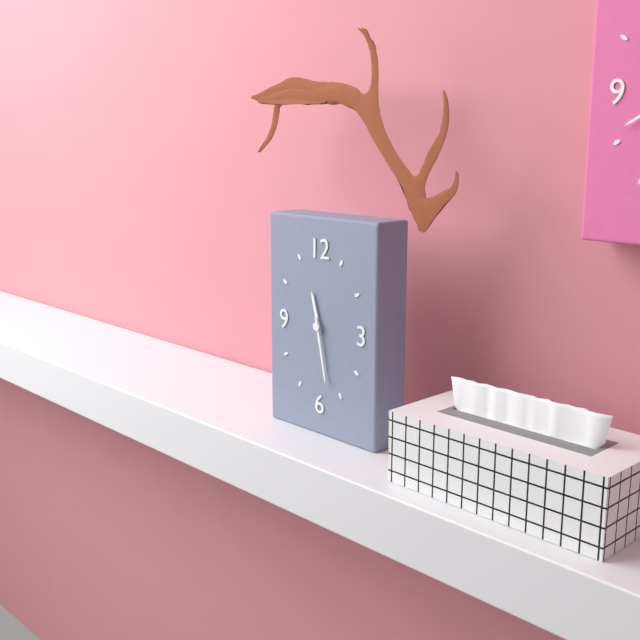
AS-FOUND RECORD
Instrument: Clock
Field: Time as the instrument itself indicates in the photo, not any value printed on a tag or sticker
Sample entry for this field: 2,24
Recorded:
11,28
